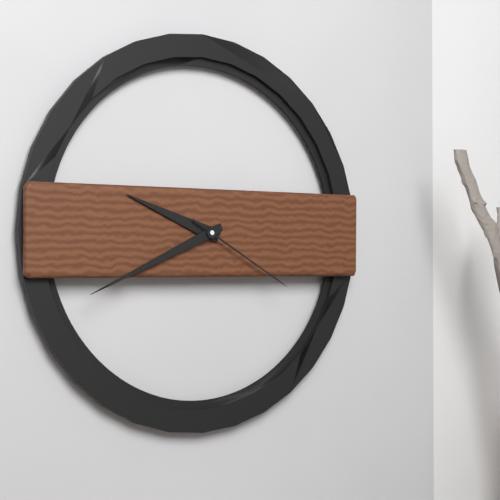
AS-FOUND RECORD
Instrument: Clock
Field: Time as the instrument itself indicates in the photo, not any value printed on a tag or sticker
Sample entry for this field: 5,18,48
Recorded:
9,41,20
